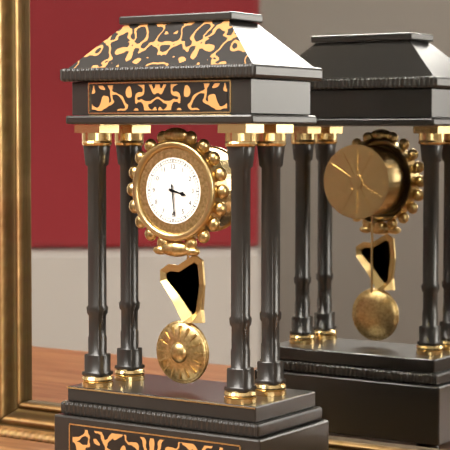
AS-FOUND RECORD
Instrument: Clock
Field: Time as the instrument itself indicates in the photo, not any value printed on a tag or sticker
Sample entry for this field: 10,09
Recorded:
3,29
